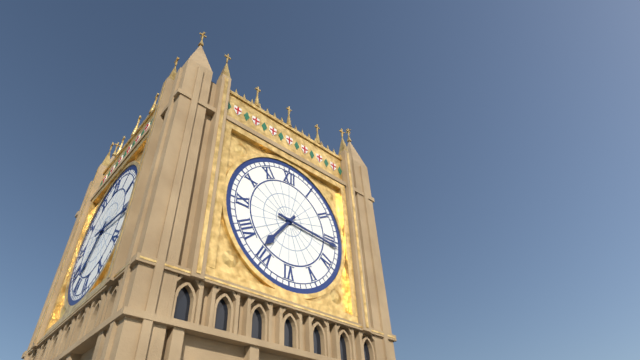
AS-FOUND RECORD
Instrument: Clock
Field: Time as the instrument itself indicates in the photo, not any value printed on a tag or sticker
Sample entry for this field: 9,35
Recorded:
7,16
